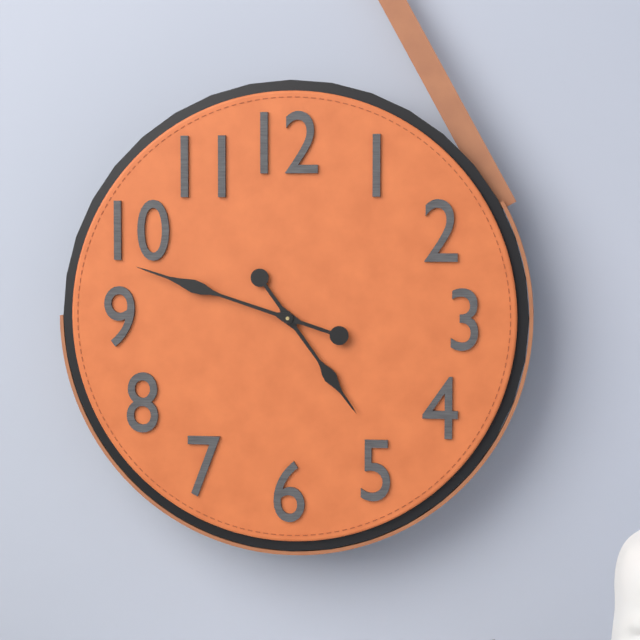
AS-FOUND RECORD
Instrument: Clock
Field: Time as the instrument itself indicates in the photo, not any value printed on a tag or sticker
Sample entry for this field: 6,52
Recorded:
4,48
